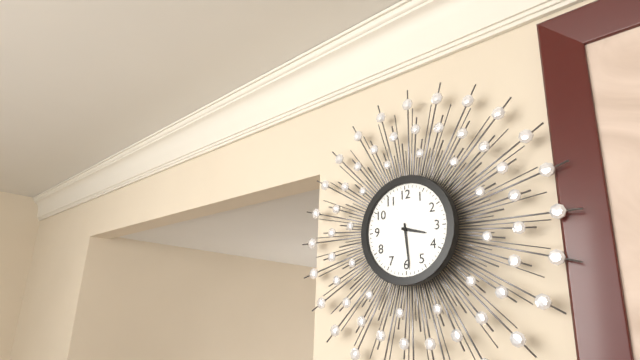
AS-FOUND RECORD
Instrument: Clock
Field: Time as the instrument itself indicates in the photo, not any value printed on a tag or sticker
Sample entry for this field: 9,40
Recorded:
3,29
